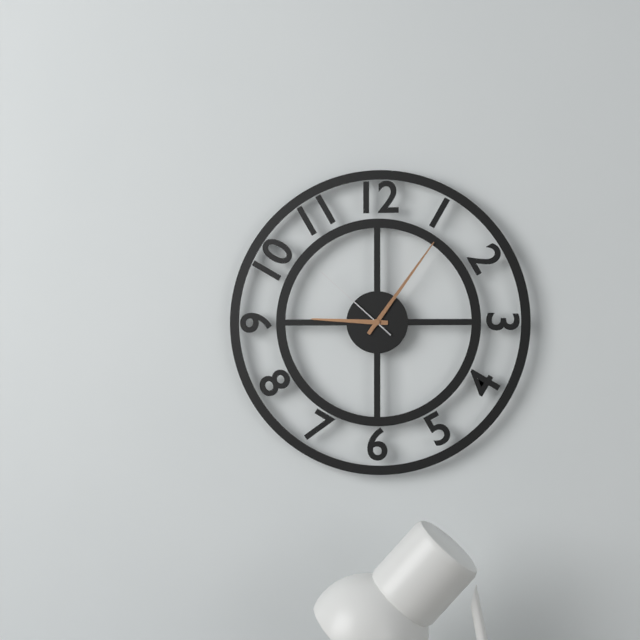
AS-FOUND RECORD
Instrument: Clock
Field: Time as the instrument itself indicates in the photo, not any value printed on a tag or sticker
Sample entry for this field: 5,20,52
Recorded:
9,06,52
